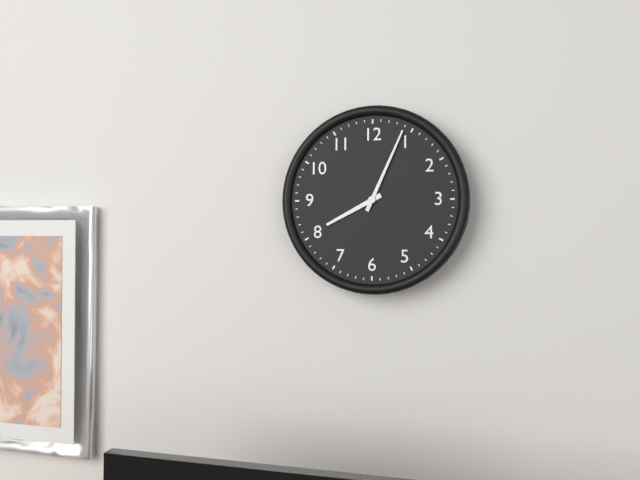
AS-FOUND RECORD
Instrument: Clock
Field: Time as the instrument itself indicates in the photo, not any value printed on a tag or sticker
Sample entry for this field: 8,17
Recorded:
8,04
